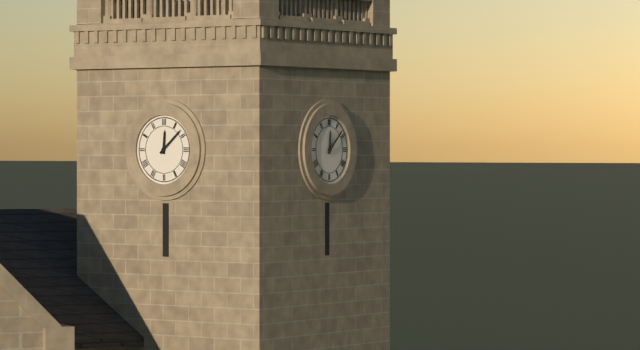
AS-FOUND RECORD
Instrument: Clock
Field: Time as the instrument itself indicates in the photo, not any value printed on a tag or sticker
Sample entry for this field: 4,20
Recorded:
12,08
